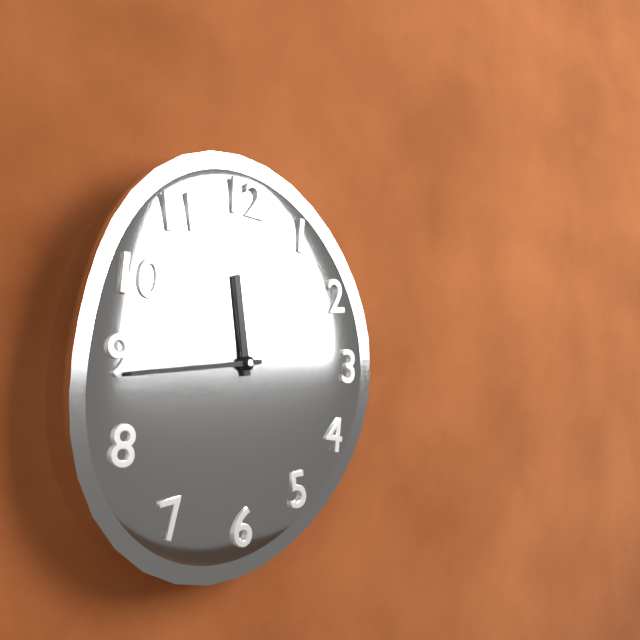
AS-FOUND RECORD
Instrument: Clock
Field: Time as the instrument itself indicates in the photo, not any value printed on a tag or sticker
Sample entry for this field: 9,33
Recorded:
11,44
